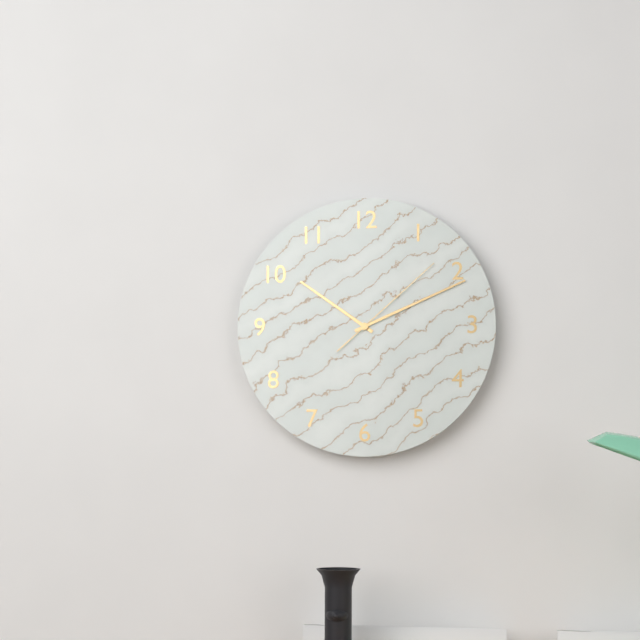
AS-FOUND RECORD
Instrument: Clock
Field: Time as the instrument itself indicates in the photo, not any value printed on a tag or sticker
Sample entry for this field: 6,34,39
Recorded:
10,11,08
